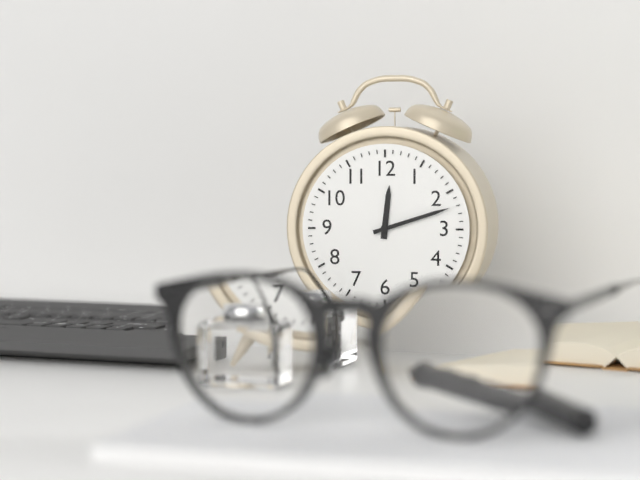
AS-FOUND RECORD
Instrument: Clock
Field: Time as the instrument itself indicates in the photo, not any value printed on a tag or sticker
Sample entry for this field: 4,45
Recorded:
12,12
